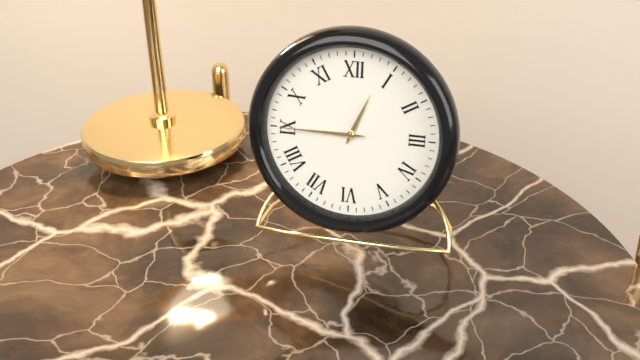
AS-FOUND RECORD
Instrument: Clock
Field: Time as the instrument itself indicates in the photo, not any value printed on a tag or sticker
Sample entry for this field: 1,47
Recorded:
12,45
